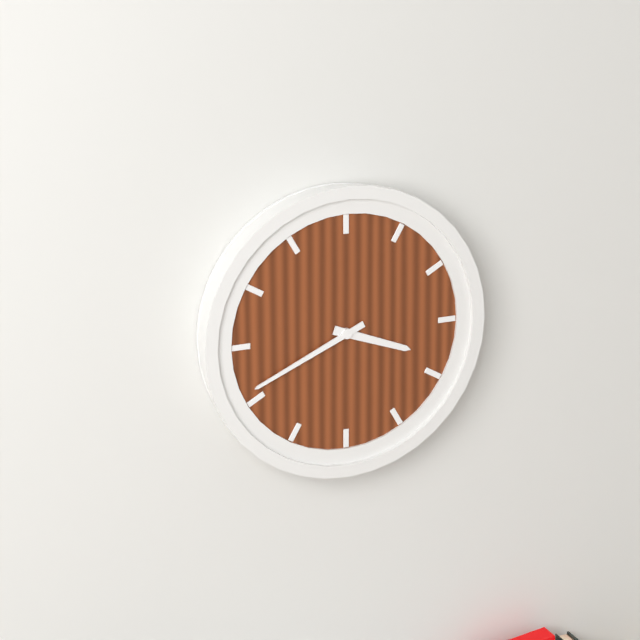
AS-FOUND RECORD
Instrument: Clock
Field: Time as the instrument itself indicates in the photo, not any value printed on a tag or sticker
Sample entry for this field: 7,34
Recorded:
3,41
